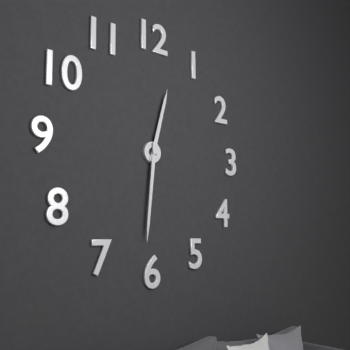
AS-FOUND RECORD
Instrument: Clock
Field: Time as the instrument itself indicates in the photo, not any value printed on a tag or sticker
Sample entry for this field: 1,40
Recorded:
12,31
